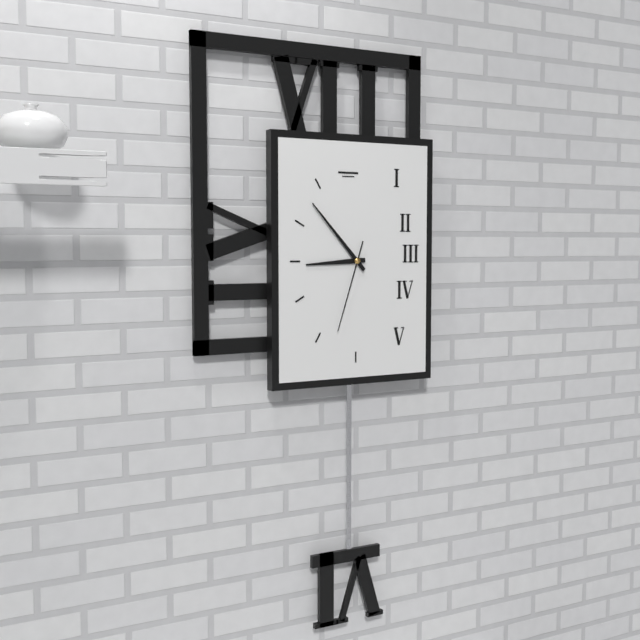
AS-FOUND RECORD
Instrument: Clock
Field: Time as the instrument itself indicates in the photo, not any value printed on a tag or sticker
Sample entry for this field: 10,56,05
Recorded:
8,53,33
